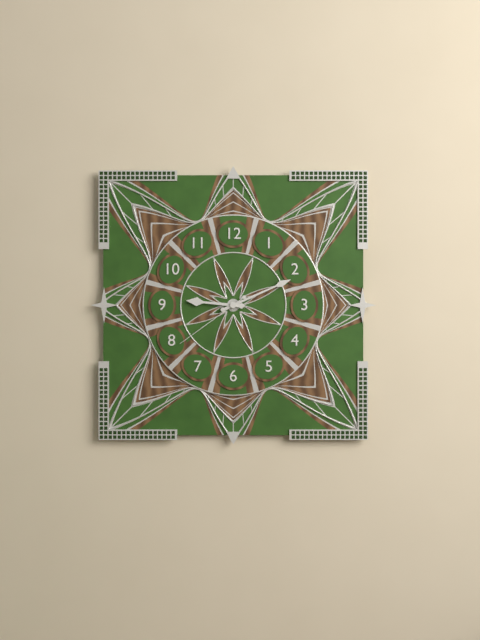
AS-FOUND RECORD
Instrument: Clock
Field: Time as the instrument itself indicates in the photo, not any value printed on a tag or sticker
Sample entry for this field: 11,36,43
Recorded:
9,11,39
